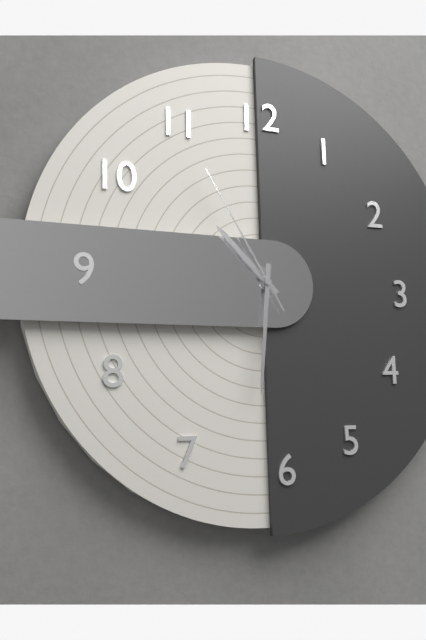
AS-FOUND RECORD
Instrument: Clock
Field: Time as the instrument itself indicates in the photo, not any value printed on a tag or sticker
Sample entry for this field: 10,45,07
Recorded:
10,31,55
